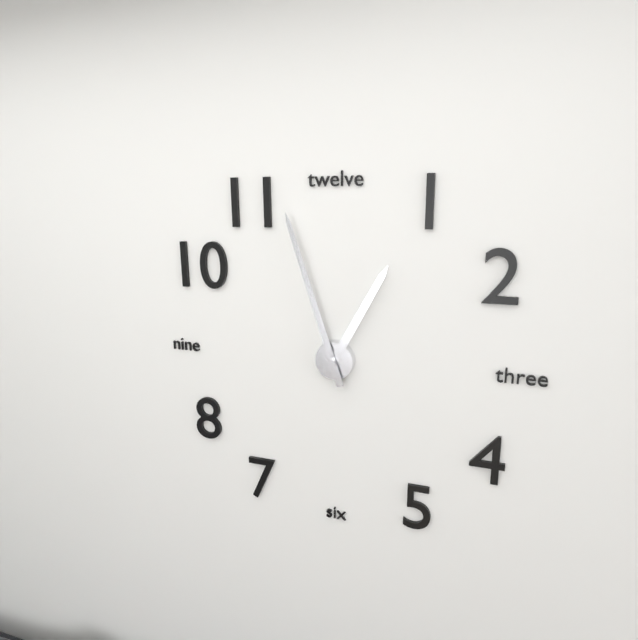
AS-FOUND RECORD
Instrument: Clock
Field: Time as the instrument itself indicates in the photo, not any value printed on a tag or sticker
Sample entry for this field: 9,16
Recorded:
12,57
